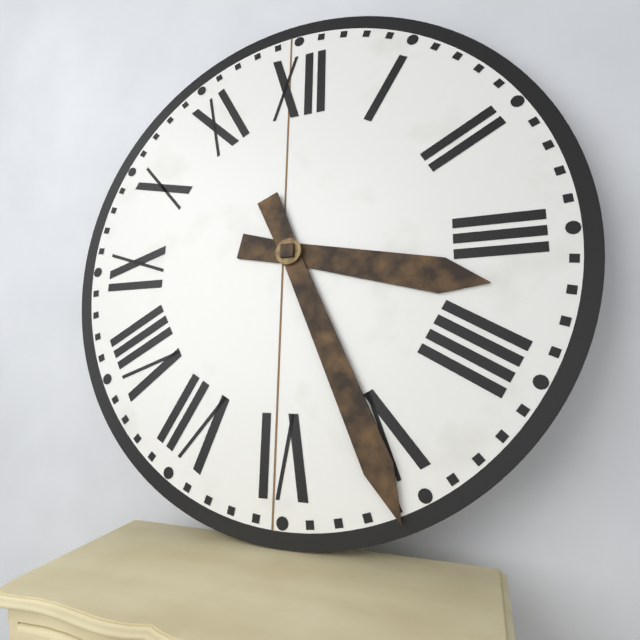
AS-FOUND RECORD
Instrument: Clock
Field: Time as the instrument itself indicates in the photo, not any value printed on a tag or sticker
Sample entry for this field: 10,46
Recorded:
3,26
